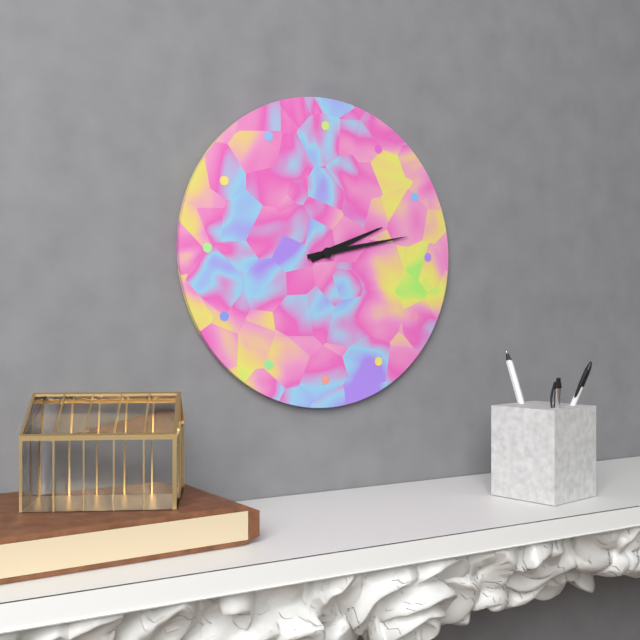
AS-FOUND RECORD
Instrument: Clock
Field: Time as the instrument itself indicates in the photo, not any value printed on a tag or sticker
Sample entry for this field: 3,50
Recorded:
2,13
